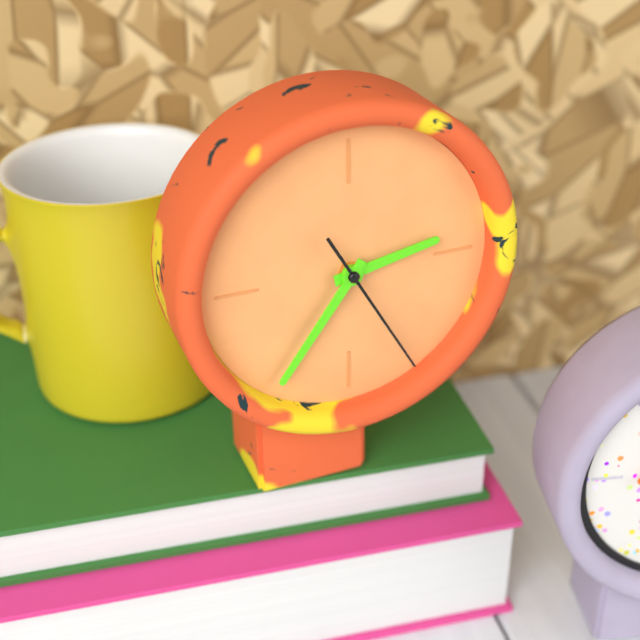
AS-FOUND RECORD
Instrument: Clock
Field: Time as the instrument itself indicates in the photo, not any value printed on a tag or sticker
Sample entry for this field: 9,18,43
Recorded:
2,36,25
